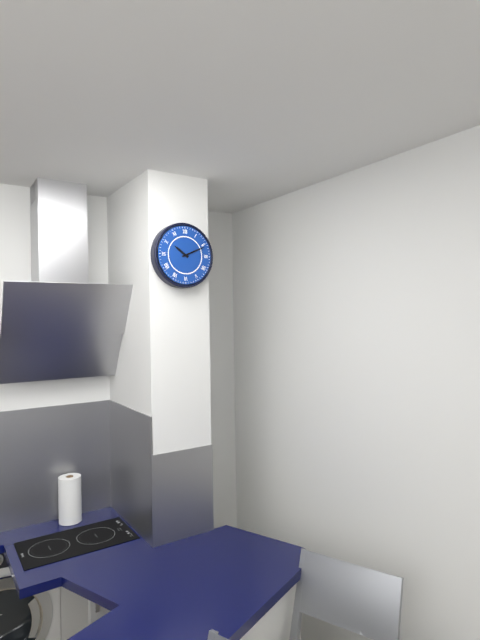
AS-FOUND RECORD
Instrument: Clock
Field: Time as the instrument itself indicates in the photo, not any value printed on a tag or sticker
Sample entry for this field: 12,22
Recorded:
10,11
